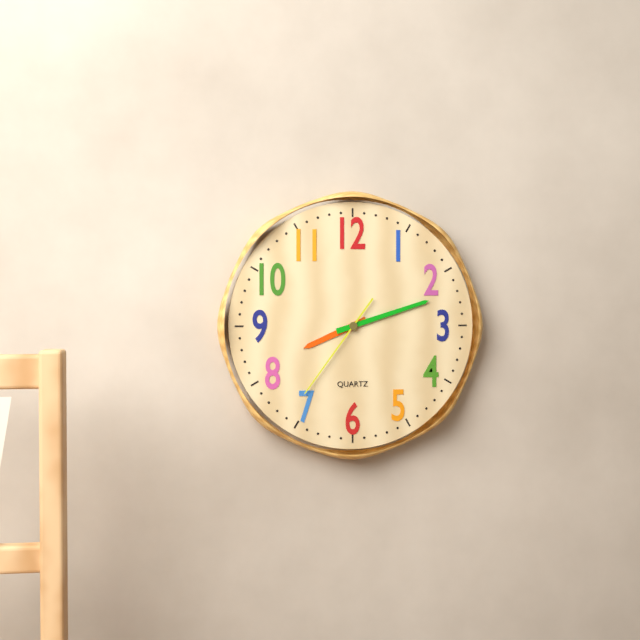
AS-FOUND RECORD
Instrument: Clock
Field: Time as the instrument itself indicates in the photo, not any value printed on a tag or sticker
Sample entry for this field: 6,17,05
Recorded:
8,12,36
